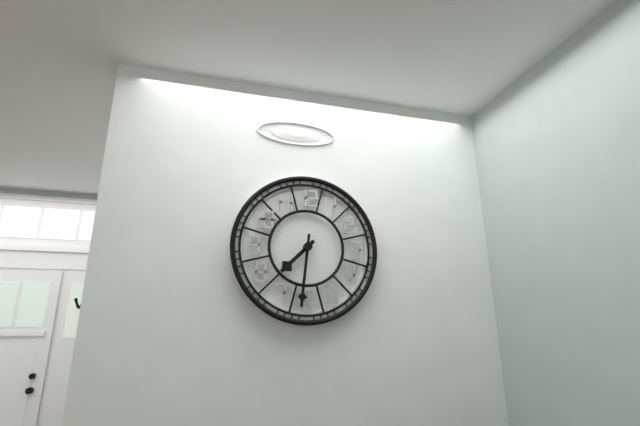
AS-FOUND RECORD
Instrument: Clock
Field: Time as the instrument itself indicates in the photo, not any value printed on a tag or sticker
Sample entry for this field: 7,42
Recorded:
7,31
